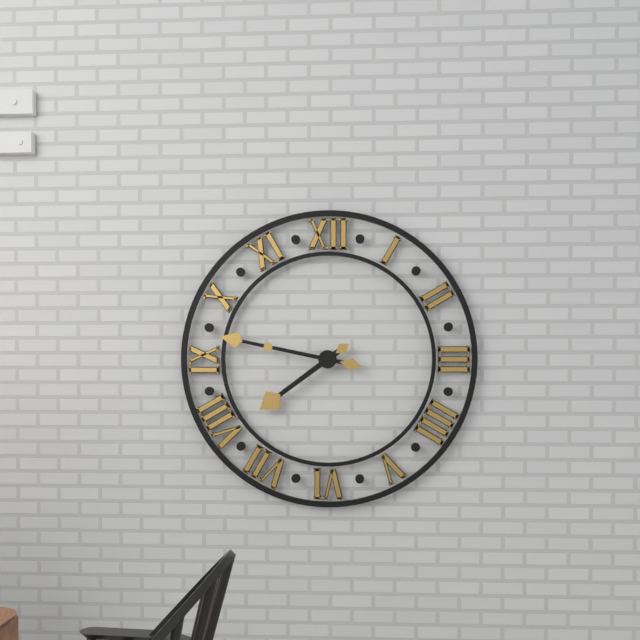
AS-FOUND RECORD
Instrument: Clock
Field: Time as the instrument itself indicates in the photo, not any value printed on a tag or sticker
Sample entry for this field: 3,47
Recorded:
7,47
